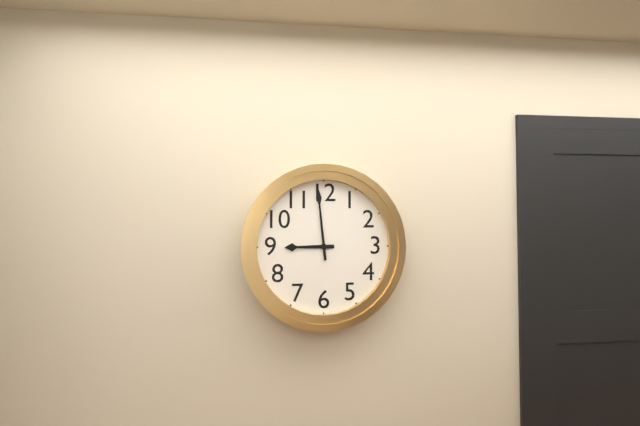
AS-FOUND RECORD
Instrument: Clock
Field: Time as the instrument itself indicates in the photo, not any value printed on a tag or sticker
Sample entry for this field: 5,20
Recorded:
8,59
